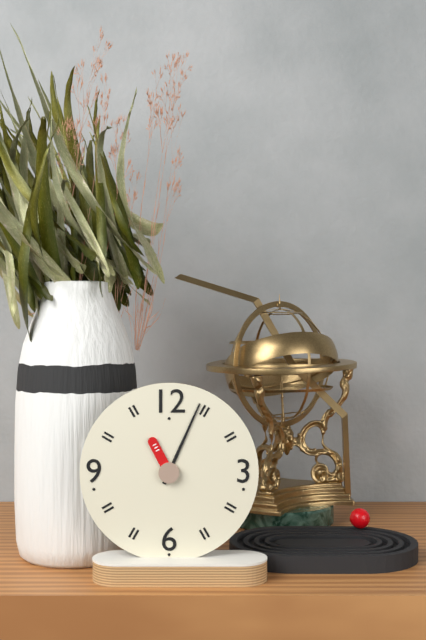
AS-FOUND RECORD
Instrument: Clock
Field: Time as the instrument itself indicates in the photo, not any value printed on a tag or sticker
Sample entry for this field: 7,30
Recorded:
11,04
